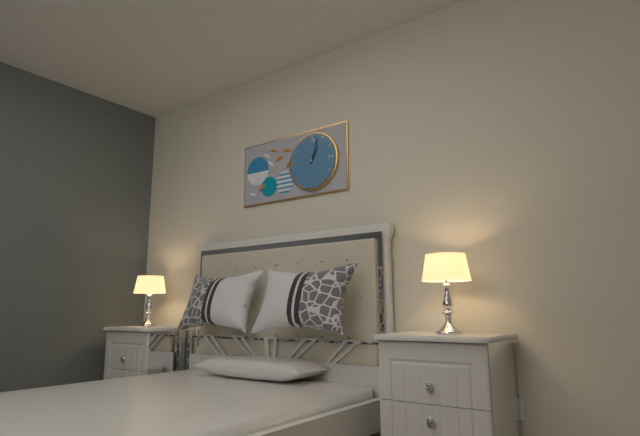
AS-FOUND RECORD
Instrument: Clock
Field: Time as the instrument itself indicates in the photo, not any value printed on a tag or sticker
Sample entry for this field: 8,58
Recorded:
1,03
